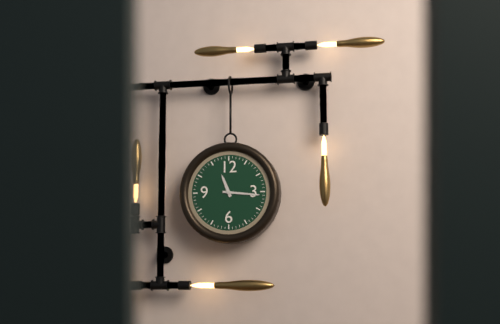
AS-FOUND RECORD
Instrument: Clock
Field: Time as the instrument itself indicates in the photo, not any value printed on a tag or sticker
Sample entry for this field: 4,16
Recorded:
11,16
